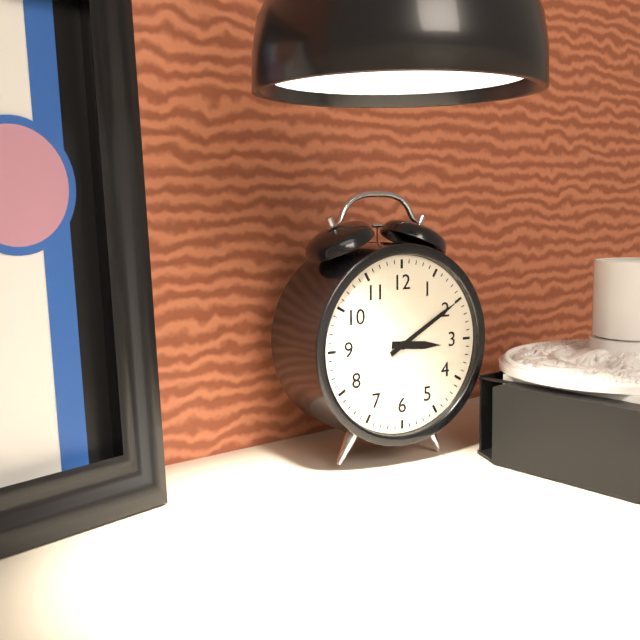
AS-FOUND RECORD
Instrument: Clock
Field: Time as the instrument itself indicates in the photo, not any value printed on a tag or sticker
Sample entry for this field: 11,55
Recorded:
3,10
